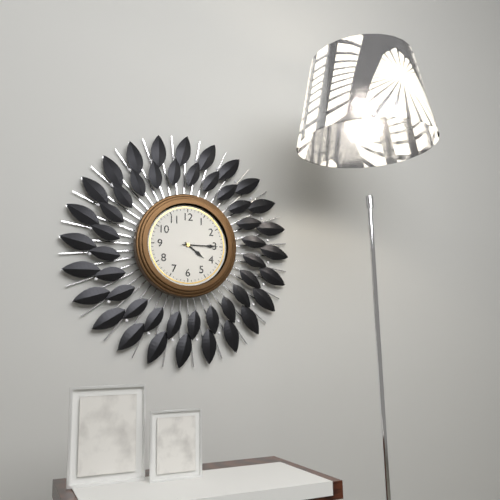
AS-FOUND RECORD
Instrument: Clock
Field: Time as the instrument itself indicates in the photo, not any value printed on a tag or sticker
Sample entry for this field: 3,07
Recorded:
4,15
